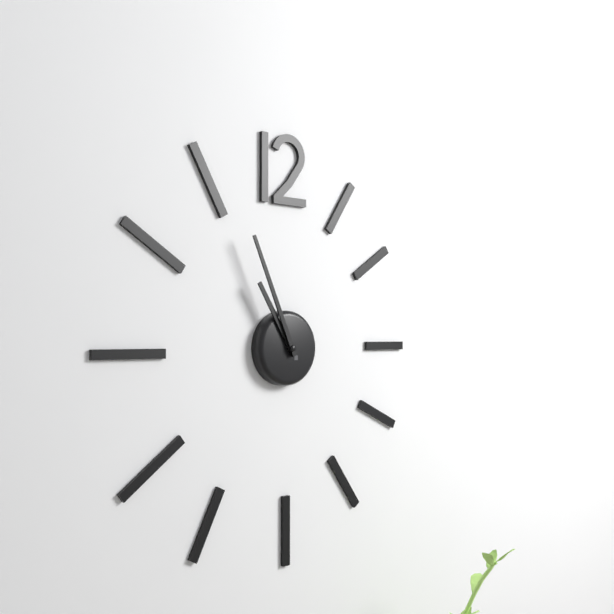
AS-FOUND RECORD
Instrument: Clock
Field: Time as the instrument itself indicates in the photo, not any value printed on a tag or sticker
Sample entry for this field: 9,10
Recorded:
10,56
